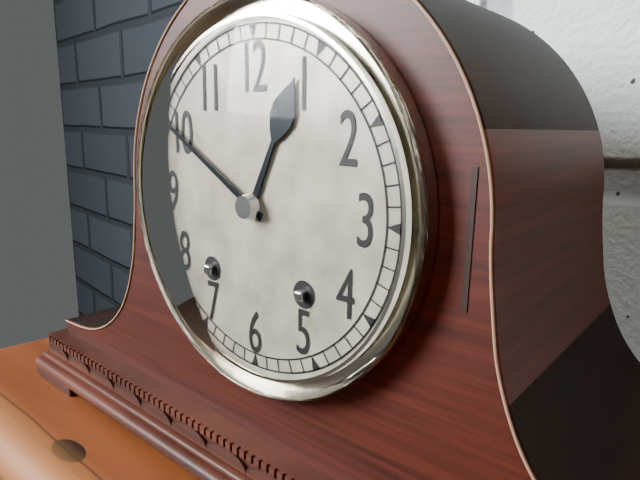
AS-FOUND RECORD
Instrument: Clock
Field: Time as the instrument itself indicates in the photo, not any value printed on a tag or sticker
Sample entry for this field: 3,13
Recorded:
12,50
